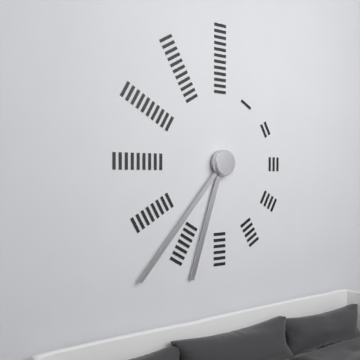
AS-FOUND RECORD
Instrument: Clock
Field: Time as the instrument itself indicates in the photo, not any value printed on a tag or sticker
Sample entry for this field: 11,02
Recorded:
6,37
